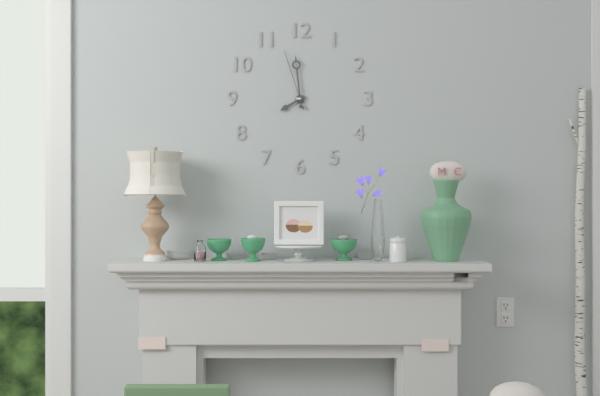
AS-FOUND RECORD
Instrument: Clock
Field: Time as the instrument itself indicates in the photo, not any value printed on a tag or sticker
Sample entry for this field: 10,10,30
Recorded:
7,59,57
